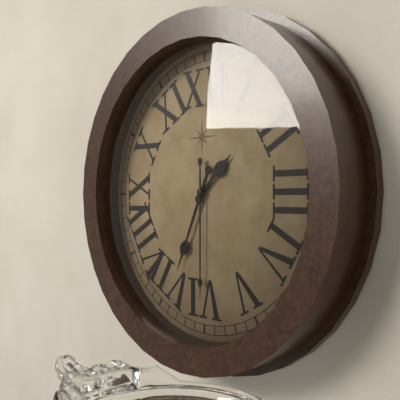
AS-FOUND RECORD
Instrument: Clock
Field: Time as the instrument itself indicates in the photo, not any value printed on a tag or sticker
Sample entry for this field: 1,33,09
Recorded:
1,34,30
